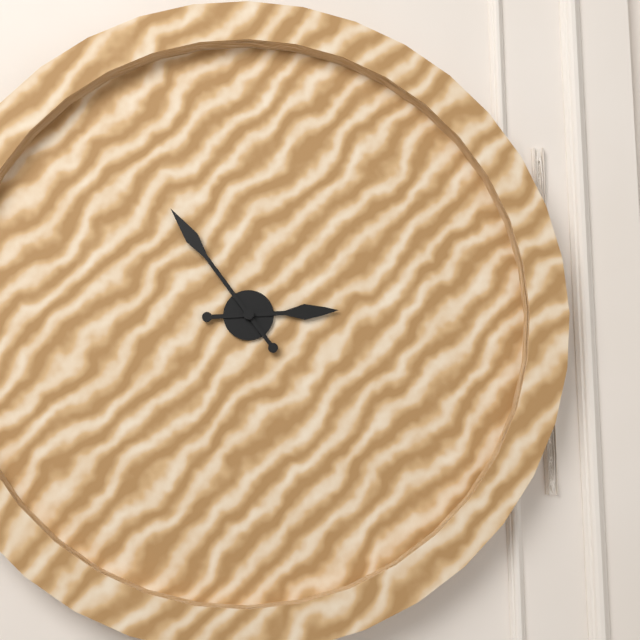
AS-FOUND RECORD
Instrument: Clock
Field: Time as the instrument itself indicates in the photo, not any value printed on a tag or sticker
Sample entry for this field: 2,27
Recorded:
2,54
